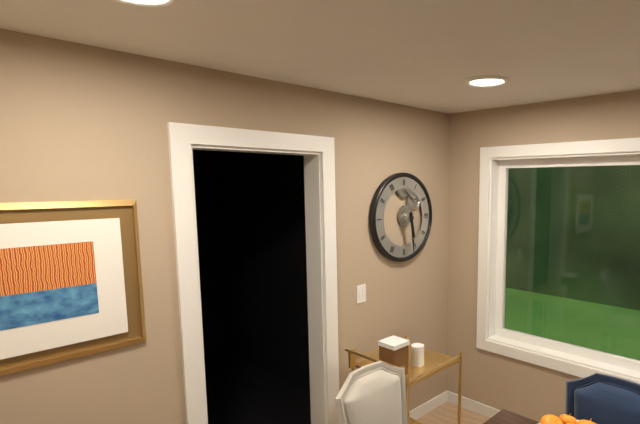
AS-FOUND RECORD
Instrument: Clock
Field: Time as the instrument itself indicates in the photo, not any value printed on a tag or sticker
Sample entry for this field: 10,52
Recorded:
5,29
